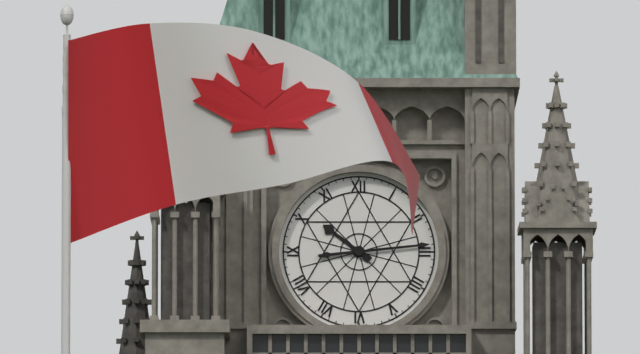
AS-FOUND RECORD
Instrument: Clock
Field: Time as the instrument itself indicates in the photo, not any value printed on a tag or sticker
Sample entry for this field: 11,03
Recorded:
10,14
